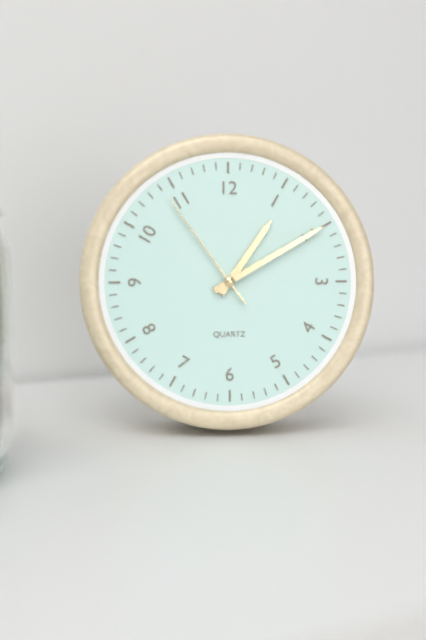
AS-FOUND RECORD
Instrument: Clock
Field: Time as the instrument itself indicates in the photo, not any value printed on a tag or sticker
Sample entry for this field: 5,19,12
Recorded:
1,10,54
